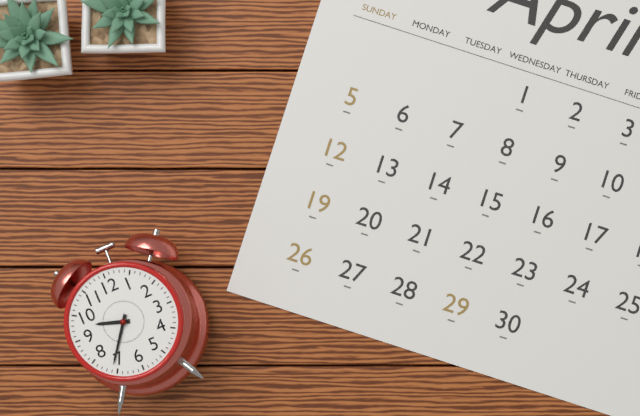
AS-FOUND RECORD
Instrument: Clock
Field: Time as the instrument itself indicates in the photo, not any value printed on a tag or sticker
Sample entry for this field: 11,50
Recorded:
9,36
